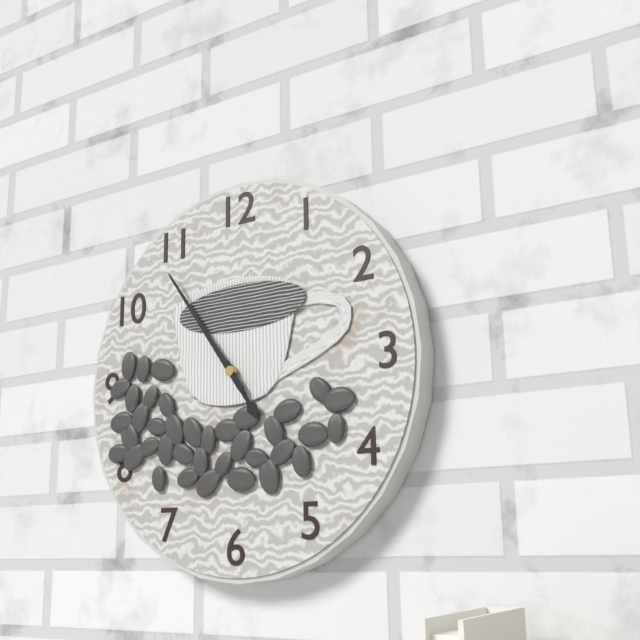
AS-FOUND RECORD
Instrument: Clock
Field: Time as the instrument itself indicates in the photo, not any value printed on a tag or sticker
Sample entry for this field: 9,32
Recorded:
4,54
